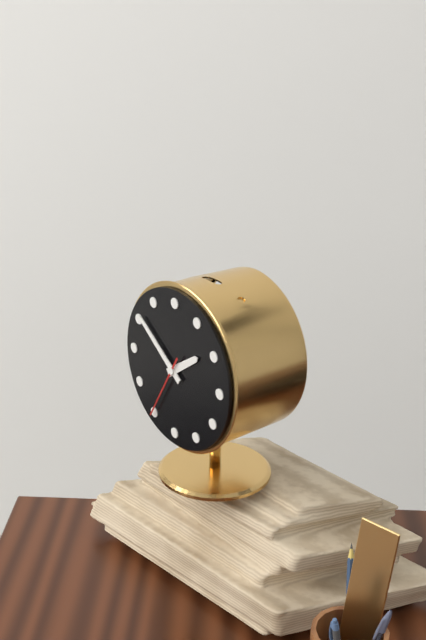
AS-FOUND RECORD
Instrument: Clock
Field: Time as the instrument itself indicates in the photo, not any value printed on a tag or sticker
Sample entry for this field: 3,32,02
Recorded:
1,51,35
